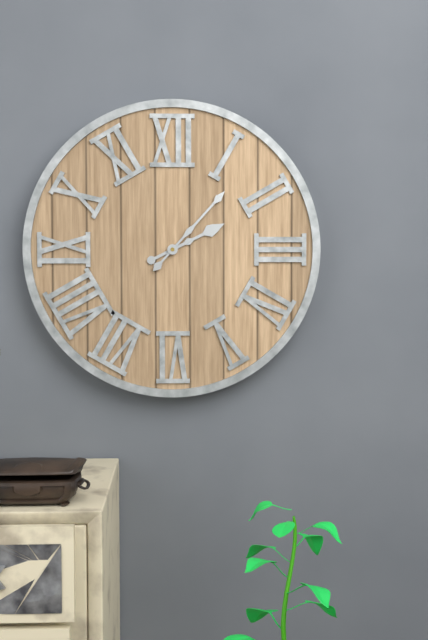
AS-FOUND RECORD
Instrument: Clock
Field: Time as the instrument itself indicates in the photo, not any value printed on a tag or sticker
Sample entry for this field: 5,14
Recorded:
2,07
